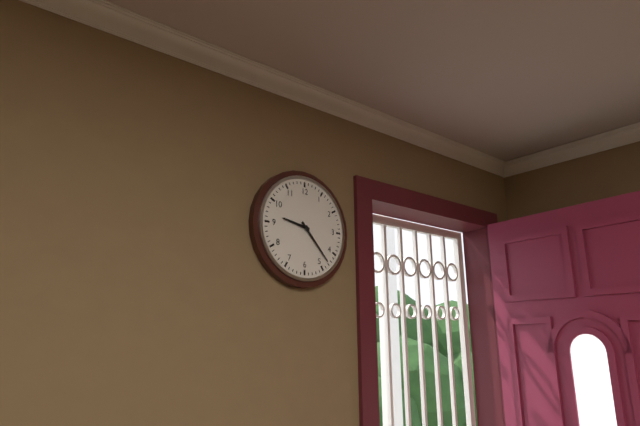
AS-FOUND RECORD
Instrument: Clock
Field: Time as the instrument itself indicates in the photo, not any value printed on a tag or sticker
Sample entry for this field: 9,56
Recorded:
9,23
